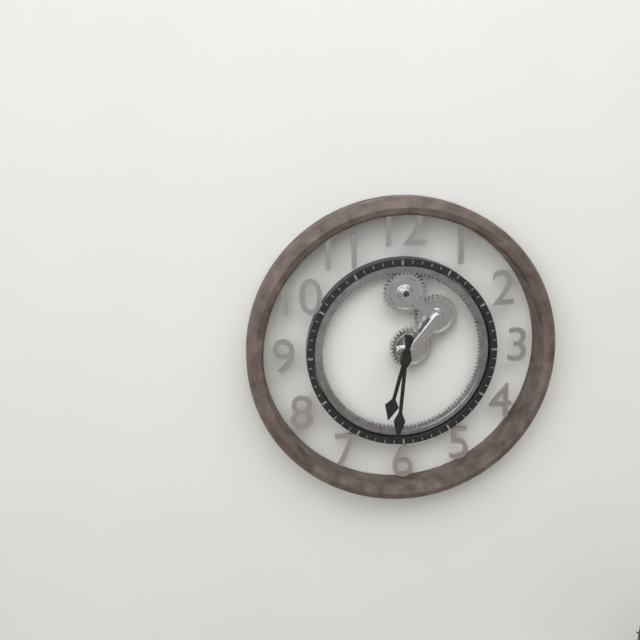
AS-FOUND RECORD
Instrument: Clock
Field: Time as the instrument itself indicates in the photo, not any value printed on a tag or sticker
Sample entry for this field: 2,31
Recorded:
6,31
